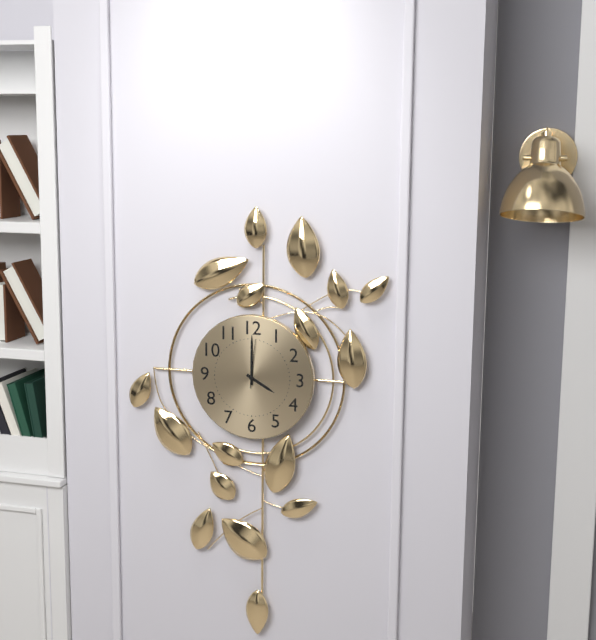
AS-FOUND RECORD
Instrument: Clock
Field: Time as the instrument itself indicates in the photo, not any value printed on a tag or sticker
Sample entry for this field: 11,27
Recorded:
4,00
